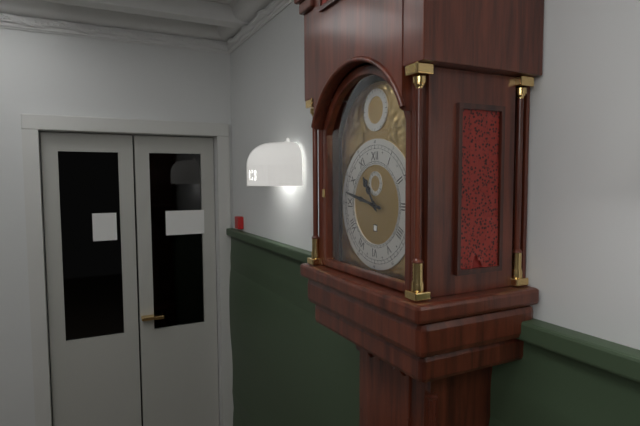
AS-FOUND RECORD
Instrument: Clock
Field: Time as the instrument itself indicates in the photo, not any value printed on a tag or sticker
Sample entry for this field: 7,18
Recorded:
10,47
